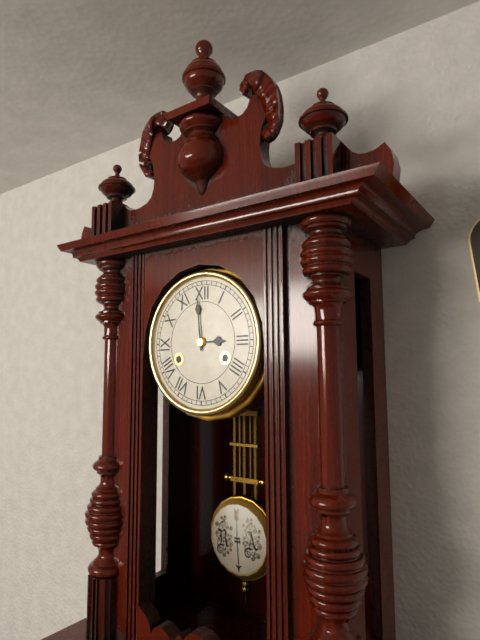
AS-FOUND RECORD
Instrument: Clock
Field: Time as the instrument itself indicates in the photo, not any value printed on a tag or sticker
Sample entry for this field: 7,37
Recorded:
2,59
